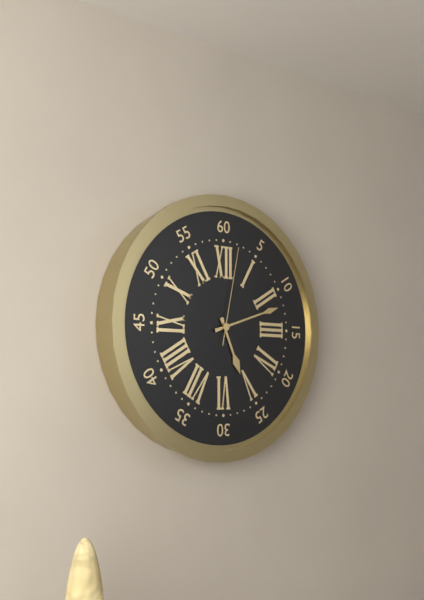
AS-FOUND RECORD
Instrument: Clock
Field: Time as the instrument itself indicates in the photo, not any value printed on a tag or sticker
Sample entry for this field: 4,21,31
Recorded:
5,12,02
